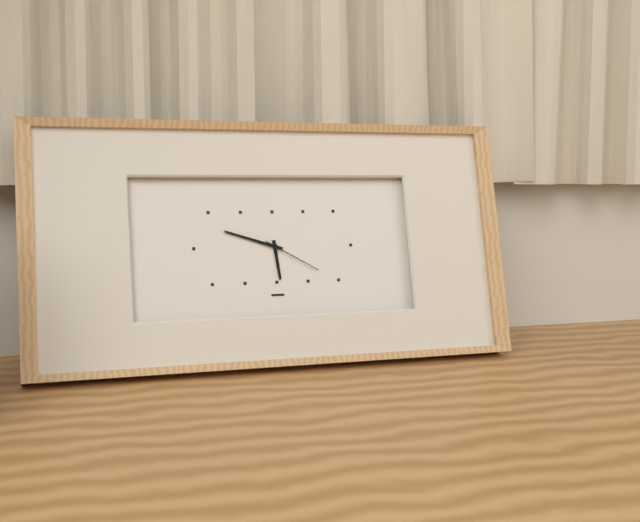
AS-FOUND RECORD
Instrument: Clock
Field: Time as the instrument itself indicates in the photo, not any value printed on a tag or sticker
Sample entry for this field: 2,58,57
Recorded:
5,48,20
